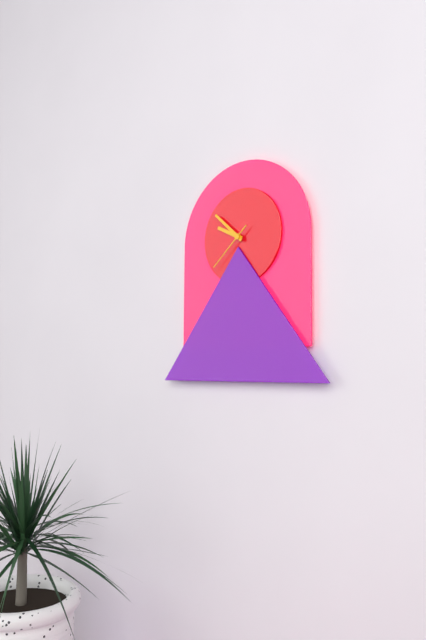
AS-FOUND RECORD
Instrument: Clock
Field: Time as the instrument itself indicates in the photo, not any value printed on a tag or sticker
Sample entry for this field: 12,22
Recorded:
9,52
